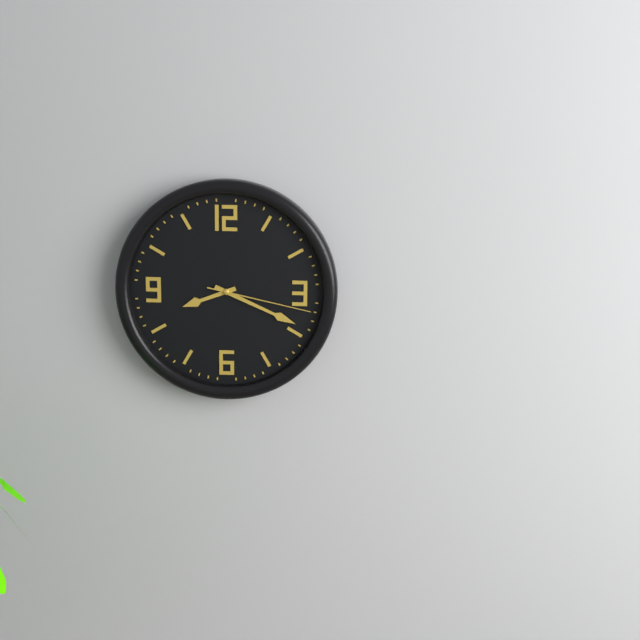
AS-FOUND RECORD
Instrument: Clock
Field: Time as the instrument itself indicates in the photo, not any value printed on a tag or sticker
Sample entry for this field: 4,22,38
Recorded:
8,19,17
